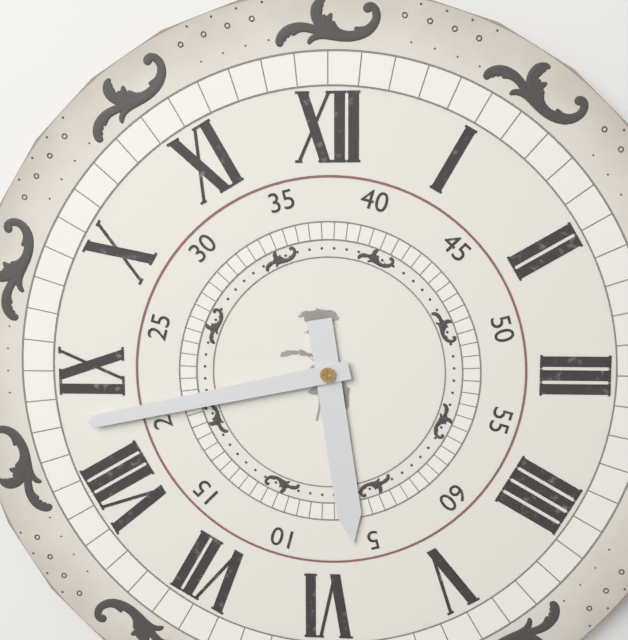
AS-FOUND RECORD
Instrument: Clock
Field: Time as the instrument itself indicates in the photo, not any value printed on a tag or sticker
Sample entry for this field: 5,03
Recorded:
5,43
